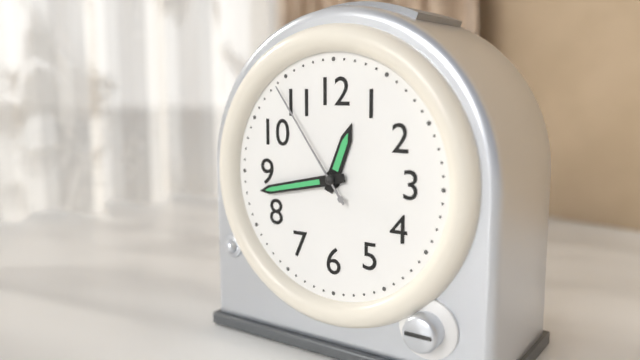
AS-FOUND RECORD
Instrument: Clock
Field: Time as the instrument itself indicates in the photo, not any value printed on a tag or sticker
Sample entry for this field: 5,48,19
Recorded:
12,43,54
